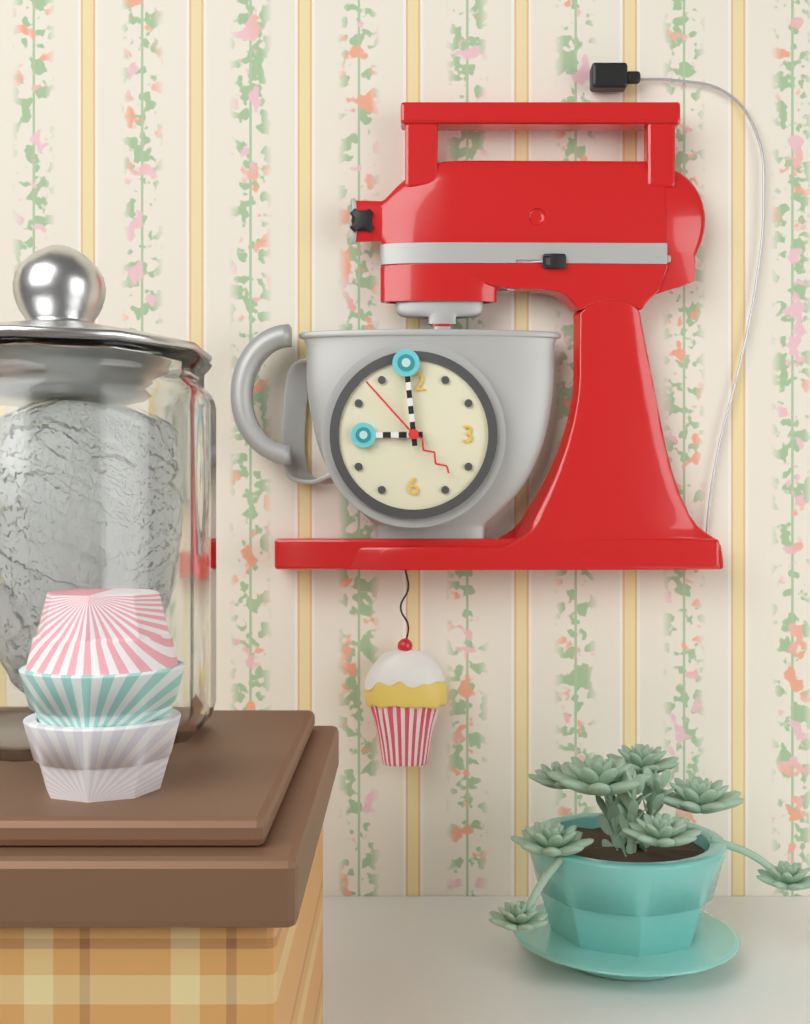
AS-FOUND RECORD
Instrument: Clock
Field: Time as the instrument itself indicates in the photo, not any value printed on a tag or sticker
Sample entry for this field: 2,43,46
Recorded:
8,59,53
